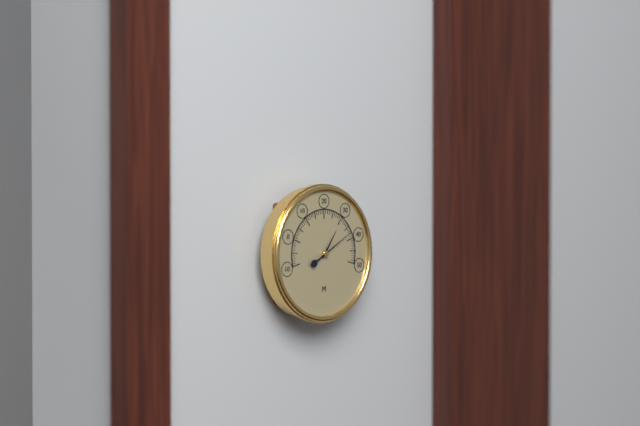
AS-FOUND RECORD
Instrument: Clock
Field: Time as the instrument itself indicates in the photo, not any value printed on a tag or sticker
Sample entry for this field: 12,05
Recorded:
1,10
